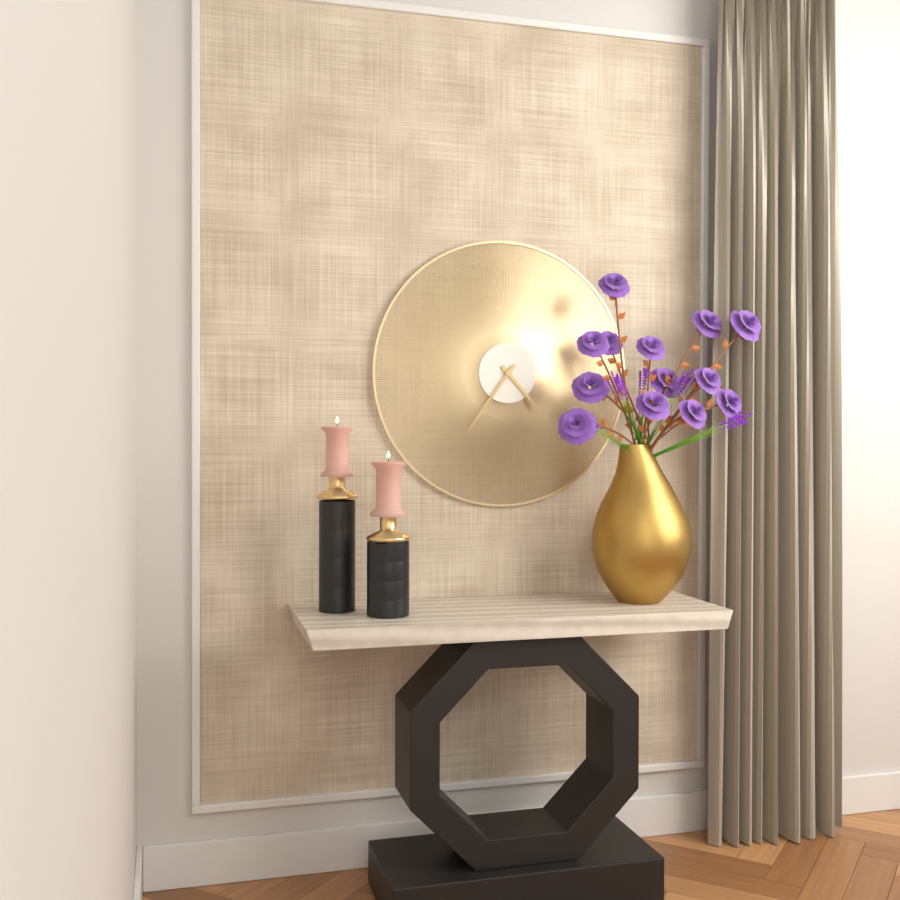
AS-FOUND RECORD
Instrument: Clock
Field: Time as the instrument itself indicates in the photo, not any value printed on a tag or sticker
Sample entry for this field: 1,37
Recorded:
4,36
